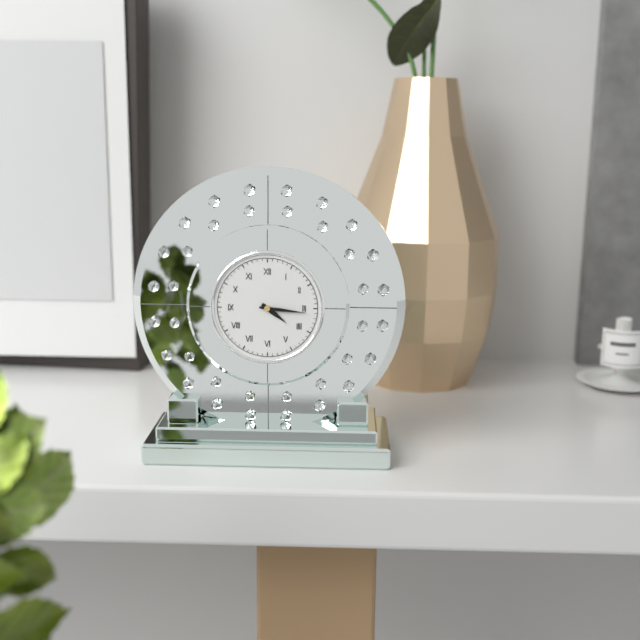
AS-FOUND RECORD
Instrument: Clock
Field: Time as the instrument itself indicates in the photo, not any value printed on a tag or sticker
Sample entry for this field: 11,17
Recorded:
4,16
